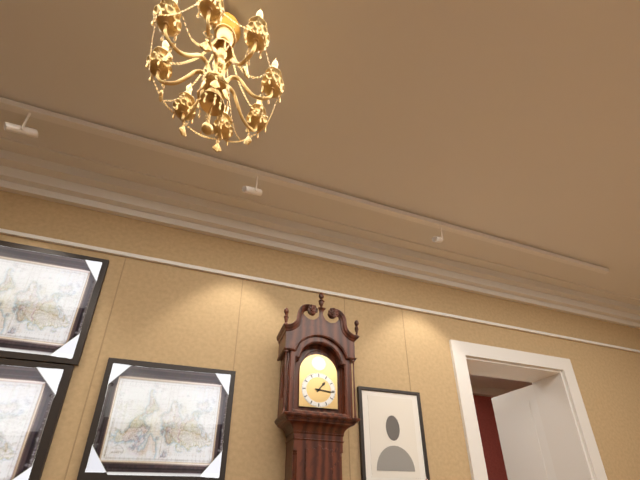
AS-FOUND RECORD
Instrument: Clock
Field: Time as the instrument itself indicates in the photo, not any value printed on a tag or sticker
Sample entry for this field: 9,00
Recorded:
1,16
